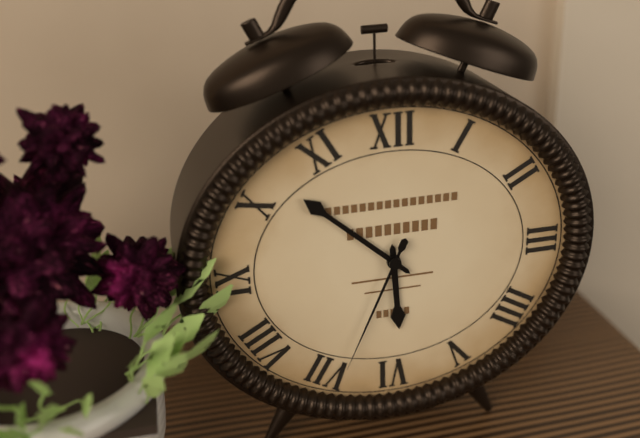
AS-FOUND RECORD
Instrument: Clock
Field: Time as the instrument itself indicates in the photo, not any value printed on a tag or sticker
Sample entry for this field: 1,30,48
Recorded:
5,52,34
